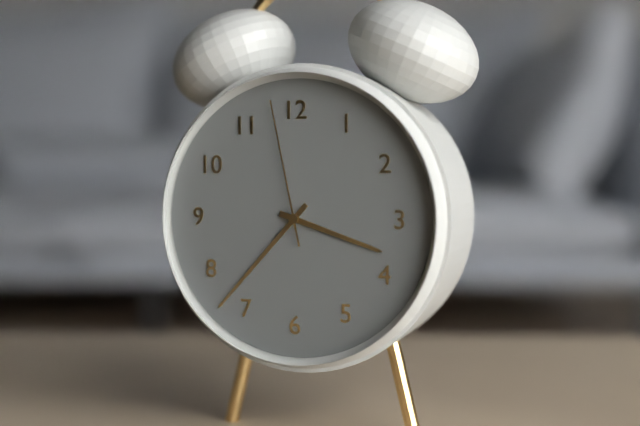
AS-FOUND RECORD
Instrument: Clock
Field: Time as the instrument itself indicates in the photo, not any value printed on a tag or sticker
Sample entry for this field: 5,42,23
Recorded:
3,37,58
